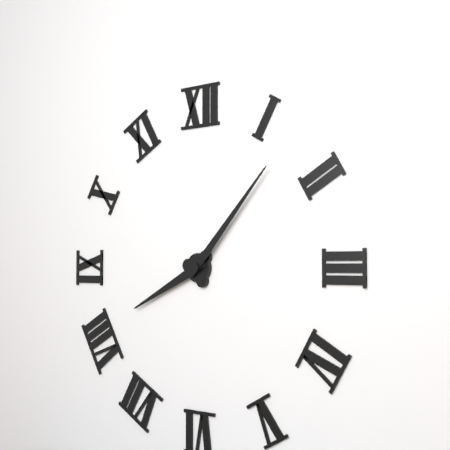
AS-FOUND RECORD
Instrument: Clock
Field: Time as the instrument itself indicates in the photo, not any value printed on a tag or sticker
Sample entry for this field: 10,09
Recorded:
8,07
